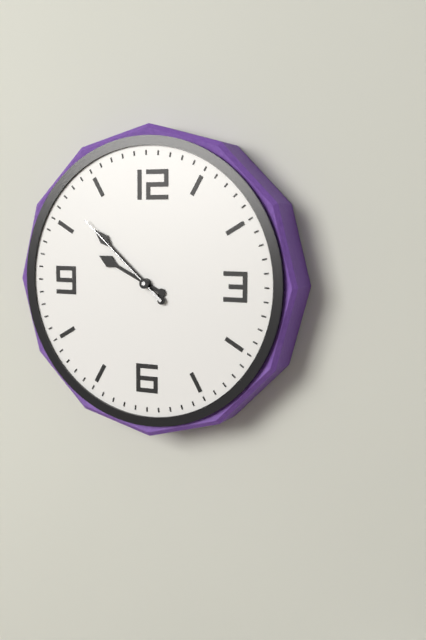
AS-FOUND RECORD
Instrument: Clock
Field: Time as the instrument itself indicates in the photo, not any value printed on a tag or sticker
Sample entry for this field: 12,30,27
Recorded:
9,52,52
